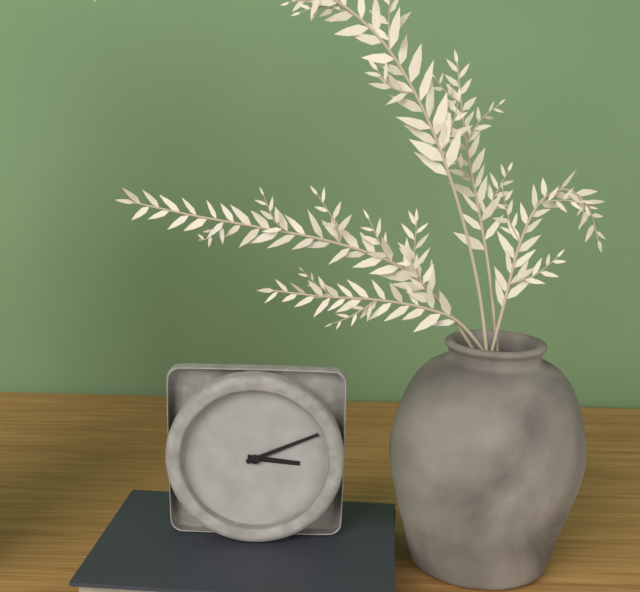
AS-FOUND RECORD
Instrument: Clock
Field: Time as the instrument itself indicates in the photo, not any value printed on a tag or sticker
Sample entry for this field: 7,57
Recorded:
3,11
